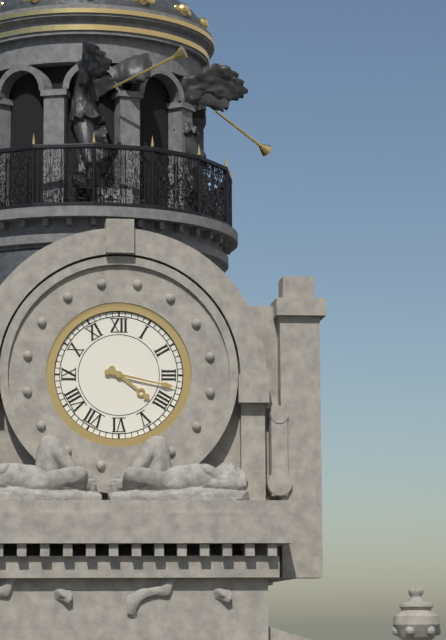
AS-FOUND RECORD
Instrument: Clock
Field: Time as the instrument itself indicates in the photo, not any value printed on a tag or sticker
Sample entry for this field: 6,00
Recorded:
4,17
